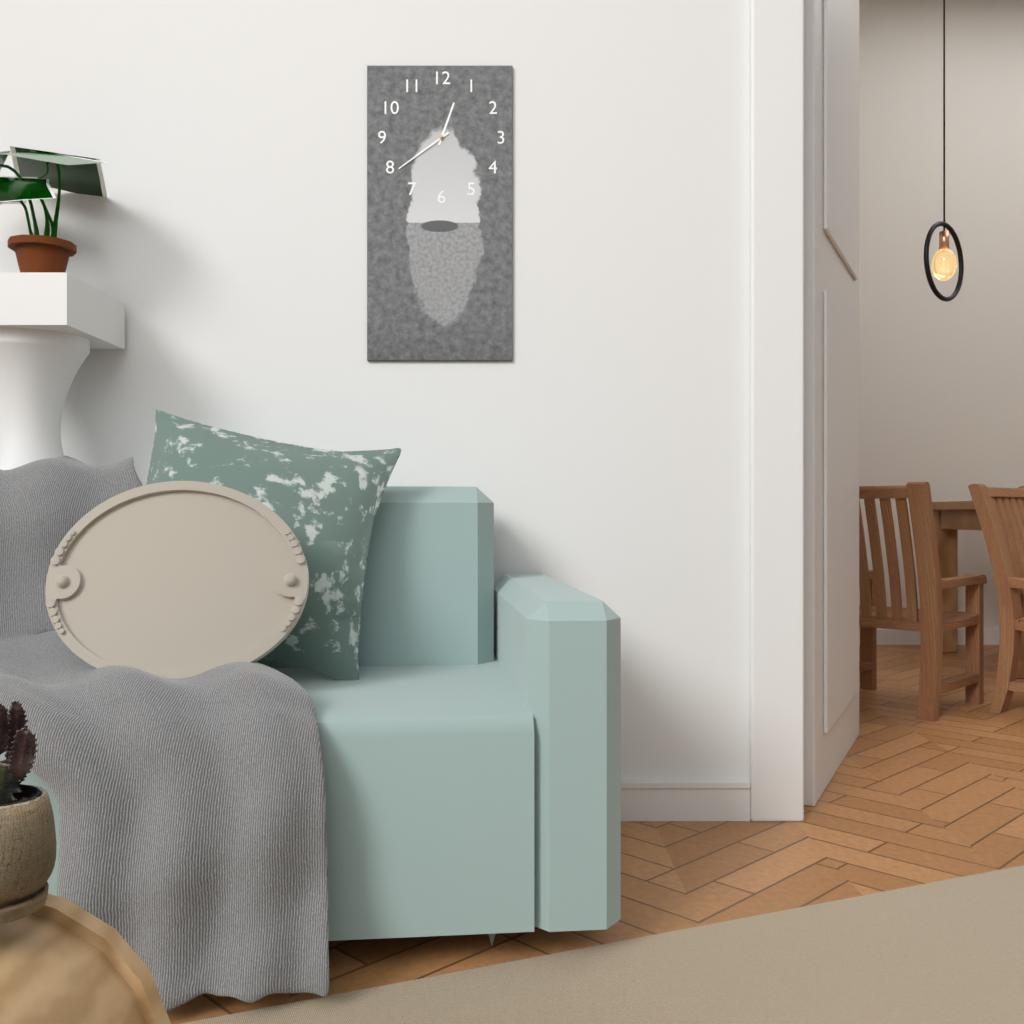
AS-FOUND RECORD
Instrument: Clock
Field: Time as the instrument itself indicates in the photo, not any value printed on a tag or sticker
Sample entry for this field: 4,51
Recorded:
12,39
